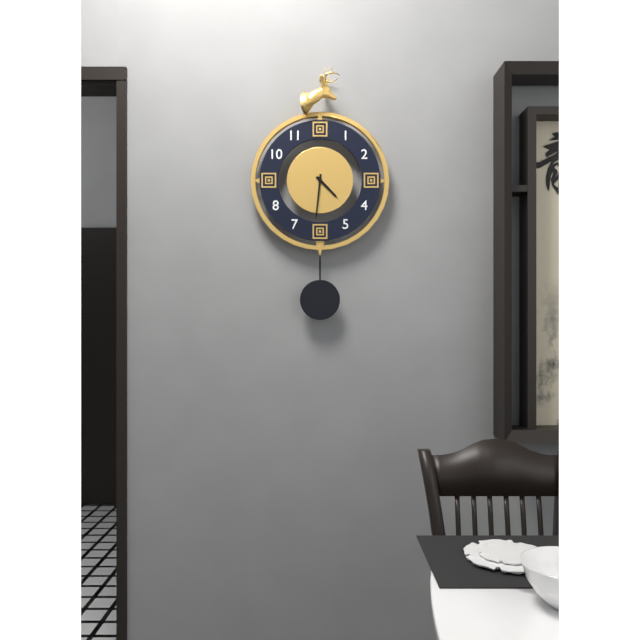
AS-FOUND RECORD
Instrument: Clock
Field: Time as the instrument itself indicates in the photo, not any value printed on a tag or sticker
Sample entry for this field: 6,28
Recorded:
4,31
